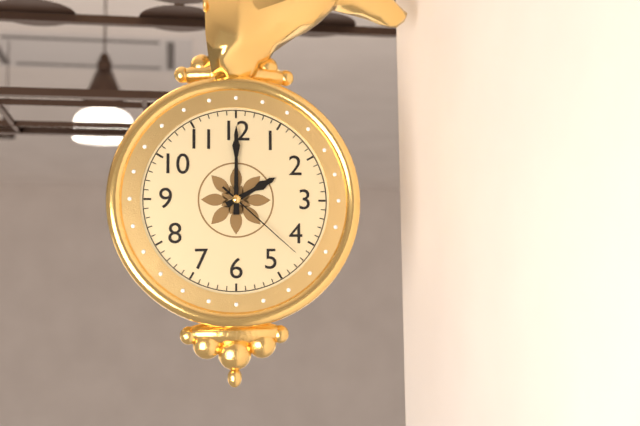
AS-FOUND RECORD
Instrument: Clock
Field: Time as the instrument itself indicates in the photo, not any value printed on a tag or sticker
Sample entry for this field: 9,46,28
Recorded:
2,00,22
